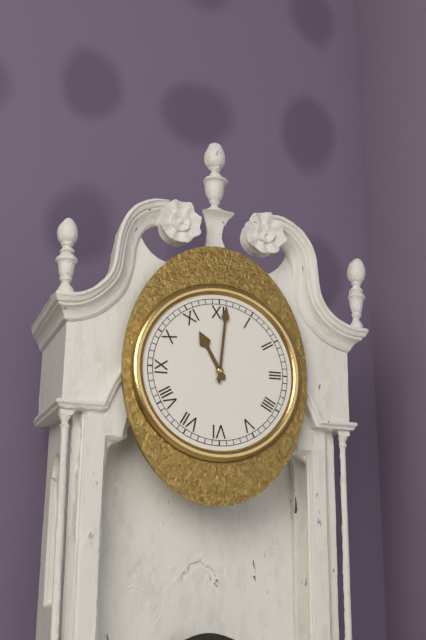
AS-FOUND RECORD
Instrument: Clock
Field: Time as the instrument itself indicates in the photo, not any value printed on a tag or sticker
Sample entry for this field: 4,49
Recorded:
11,01
